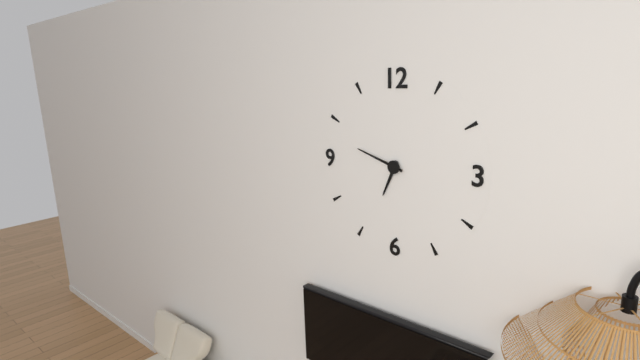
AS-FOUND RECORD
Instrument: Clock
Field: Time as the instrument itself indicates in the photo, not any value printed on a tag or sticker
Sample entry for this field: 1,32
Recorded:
6,48
